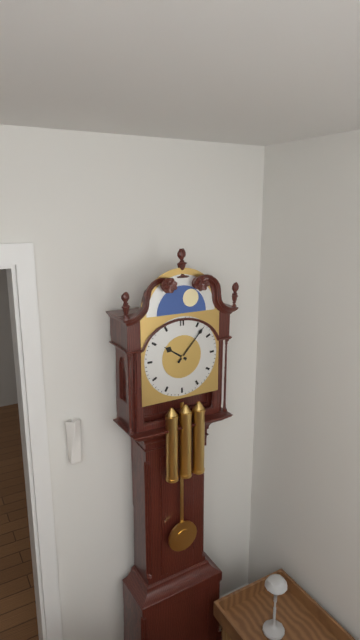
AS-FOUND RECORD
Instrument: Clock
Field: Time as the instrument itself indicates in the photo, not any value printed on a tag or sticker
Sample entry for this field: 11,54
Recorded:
10,07
